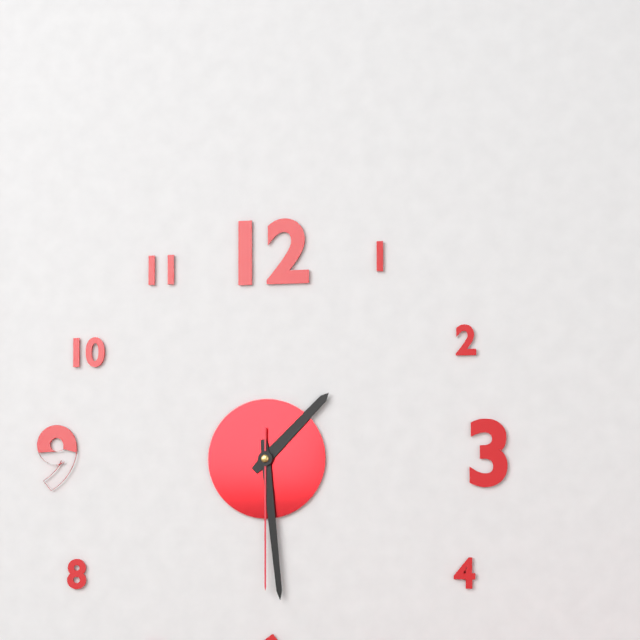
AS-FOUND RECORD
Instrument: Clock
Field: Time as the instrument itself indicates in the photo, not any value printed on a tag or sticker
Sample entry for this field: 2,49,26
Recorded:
1,29,30
